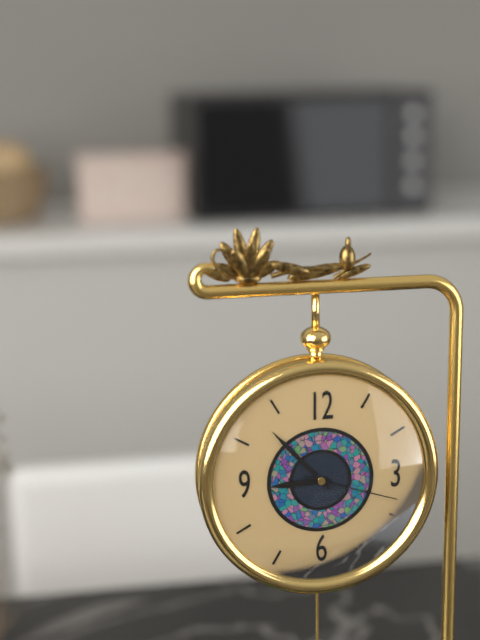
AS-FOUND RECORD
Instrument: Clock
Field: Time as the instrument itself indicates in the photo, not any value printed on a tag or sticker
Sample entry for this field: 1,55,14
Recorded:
8,53,18
